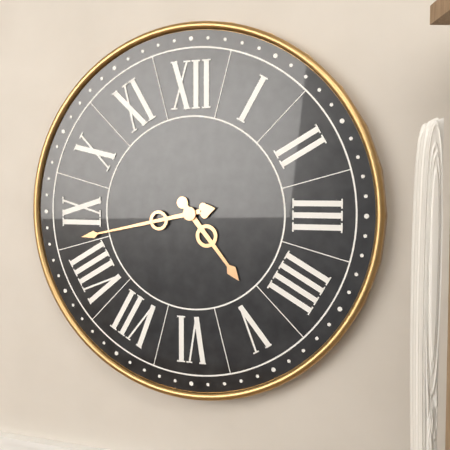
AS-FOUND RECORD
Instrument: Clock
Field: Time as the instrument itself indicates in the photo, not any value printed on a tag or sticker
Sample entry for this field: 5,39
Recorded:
4,43
